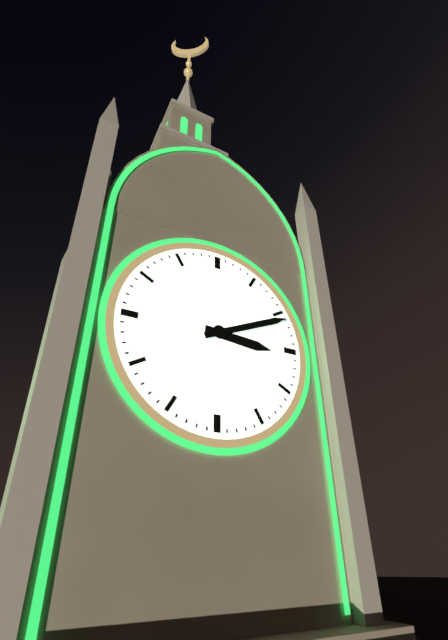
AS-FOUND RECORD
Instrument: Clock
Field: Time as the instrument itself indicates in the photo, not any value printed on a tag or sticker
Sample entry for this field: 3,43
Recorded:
3,11
